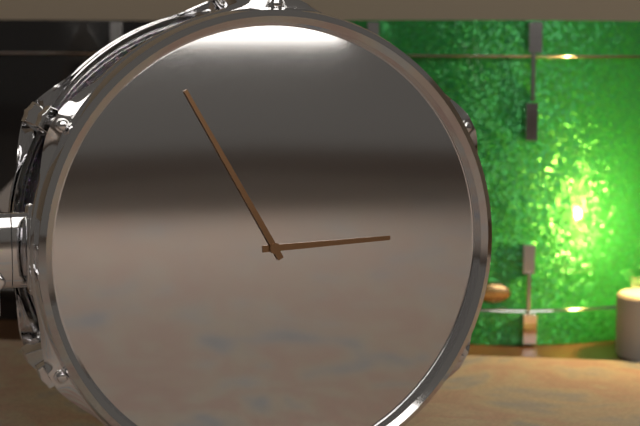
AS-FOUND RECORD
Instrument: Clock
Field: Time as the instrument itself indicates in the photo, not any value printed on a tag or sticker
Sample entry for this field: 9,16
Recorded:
2,55
